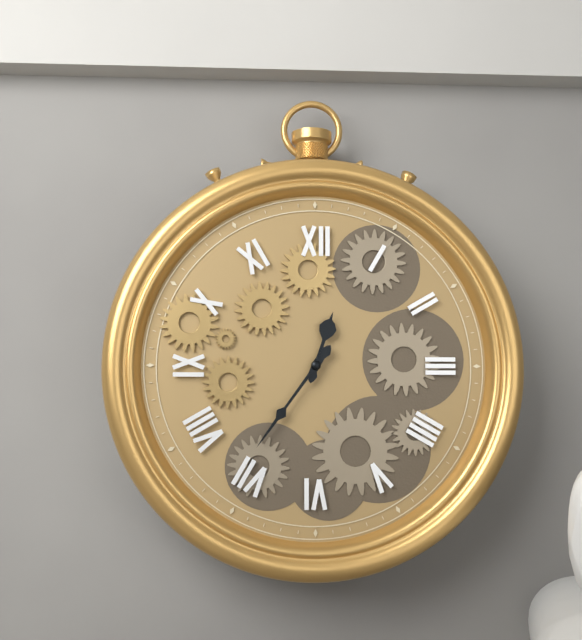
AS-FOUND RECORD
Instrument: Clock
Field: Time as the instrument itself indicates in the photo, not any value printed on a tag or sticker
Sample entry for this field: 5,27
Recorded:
12,36
